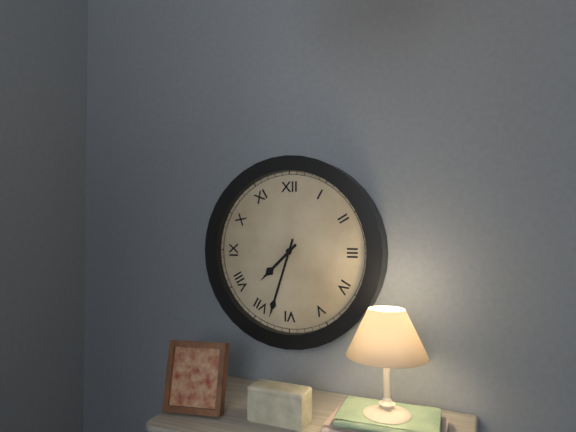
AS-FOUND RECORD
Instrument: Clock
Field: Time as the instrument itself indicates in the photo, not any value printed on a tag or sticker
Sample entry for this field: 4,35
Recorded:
7,33
